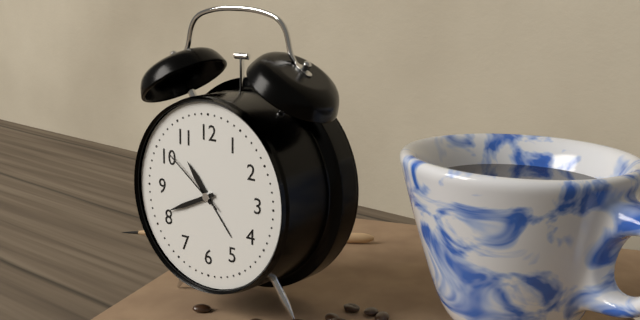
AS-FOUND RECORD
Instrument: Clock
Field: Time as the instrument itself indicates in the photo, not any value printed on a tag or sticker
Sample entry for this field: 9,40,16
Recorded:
10,41,51
